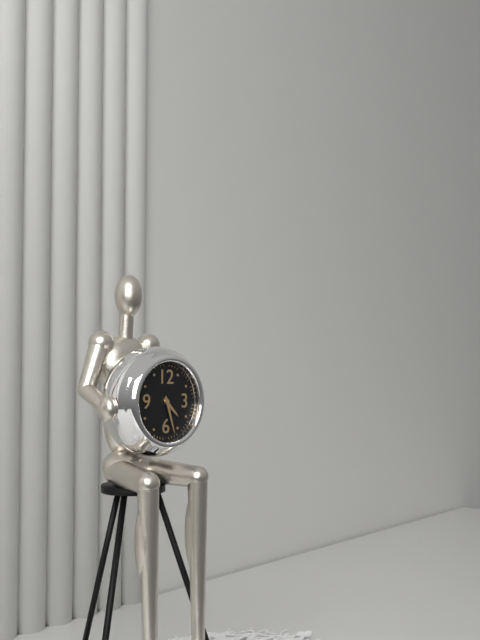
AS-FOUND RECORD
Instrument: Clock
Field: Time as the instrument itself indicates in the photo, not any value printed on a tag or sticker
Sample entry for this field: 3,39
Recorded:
4,27
